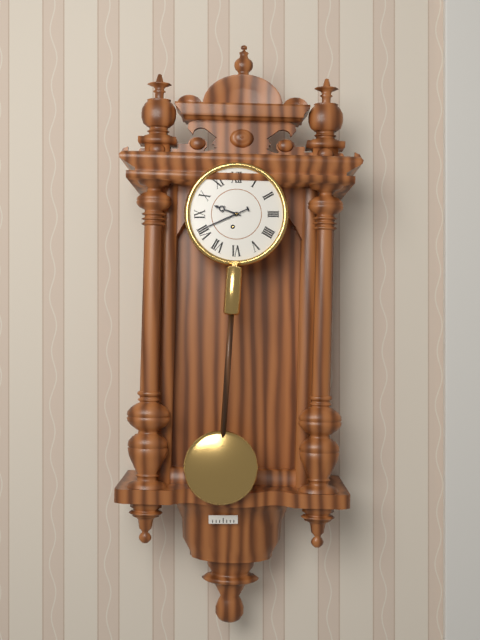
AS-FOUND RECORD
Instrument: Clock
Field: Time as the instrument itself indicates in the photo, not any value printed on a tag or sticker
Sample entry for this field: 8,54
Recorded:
9,41
